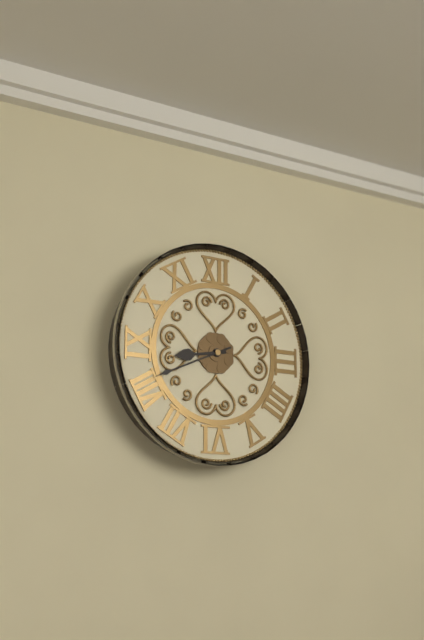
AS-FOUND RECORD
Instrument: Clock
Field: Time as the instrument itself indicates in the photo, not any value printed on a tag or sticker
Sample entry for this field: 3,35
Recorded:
8,41
